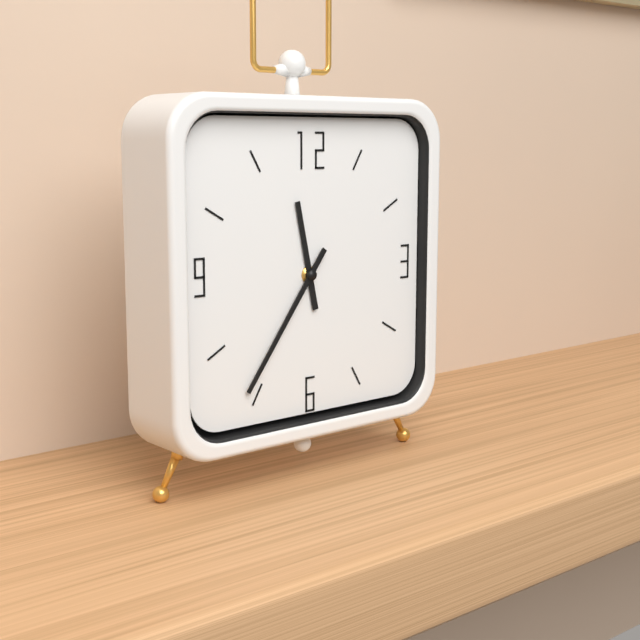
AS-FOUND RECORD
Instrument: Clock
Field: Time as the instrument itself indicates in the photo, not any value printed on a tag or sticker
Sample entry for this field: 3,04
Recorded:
11,36
